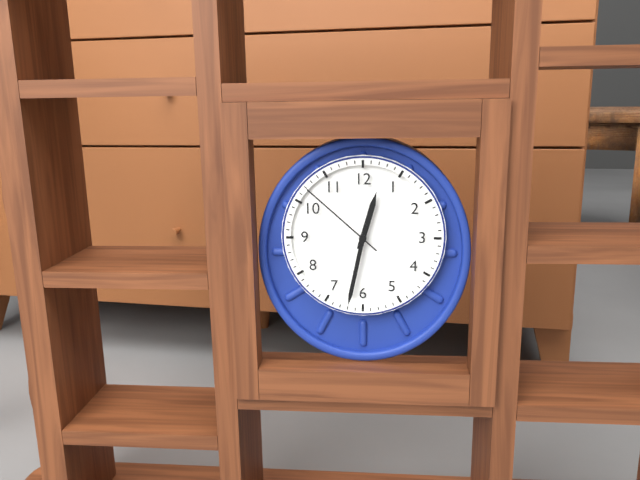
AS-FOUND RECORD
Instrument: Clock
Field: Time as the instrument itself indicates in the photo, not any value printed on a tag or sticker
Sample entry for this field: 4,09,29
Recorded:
12,32,52
